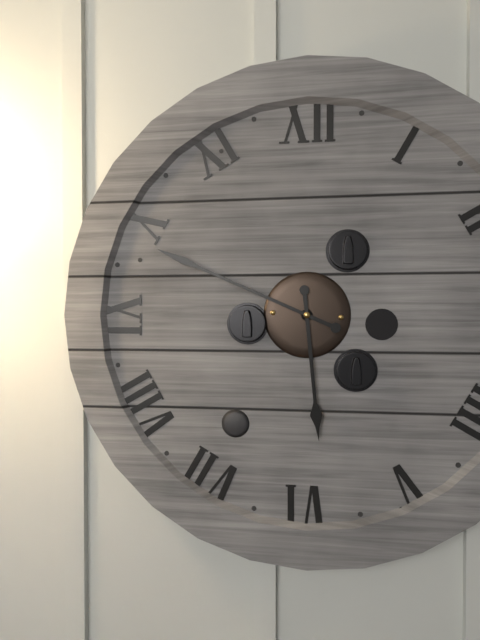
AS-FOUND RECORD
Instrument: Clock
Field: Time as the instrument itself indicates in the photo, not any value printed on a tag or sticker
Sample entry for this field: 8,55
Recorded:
5,49
